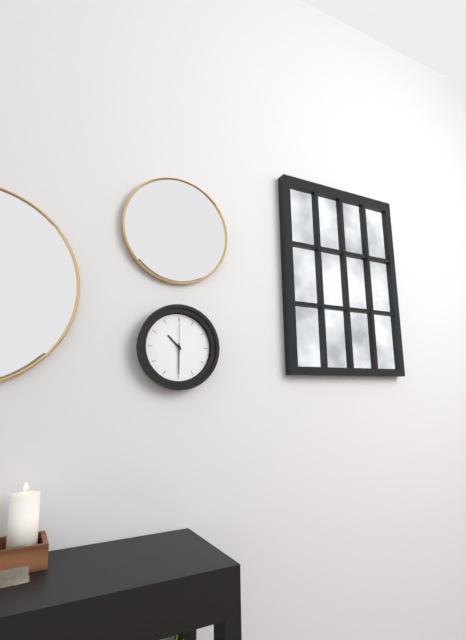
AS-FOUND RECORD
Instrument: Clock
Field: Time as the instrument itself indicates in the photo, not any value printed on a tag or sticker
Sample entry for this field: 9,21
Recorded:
10,30
